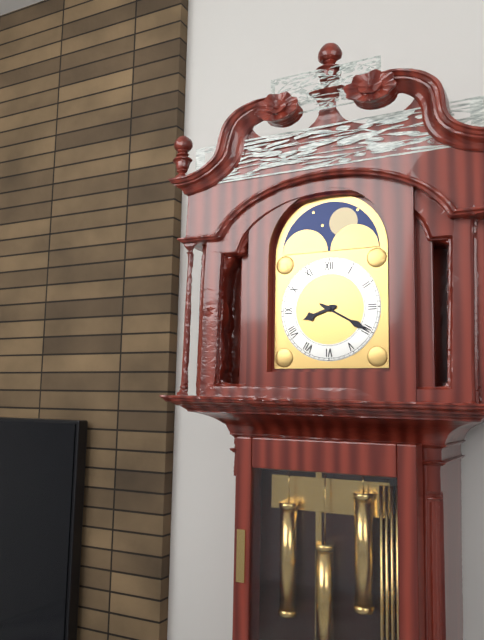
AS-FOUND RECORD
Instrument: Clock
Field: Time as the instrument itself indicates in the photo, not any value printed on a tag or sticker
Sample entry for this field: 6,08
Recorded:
8,20
